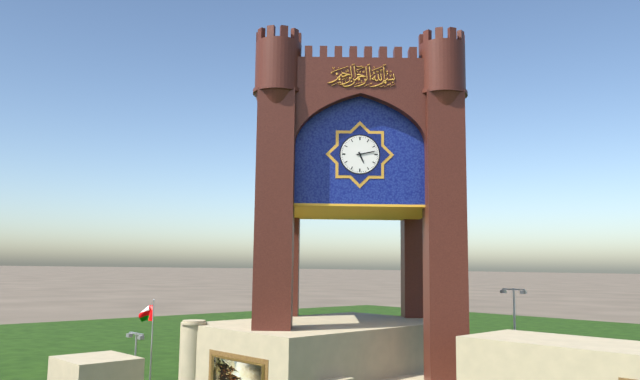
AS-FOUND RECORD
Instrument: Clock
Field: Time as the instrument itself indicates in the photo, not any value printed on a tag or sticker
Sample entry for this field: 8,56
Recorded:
5,13
